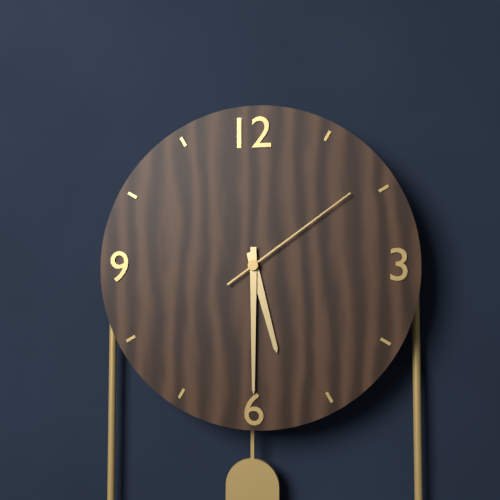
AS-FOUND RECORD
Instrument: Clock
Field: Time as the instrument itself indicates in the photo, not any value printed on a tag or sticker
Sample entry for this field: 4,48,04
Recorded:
5,30,09
